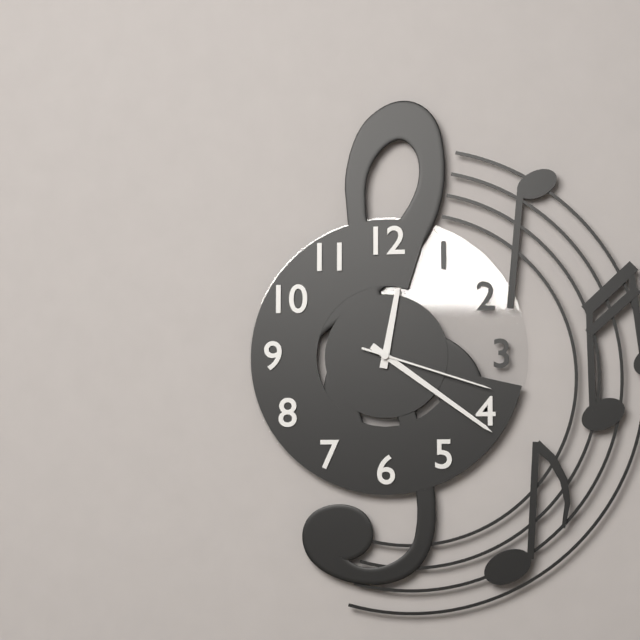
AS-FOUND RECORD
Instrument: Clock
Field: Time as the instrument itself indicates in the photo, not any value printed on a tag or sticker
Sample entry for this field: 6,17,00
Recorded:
12,21,18
